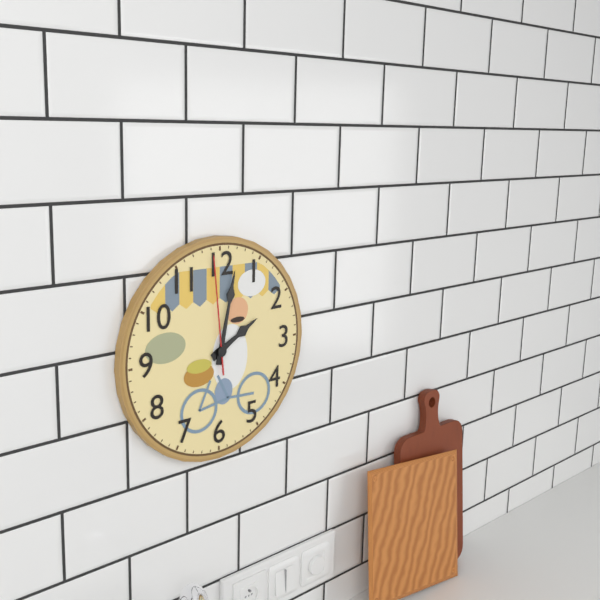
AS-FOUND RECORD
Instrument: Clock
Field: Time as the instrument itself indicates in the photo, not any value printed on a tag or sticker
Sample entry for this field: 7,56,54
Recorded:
2,02,59
